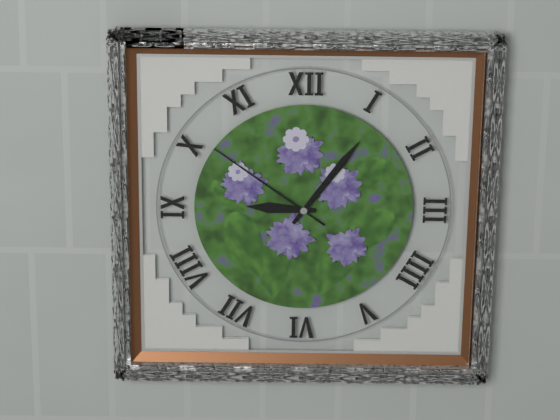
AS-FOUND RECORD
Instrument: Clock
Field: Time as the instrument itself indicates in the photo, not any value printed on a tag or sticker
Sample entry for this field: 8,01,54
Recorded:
9,06,51
